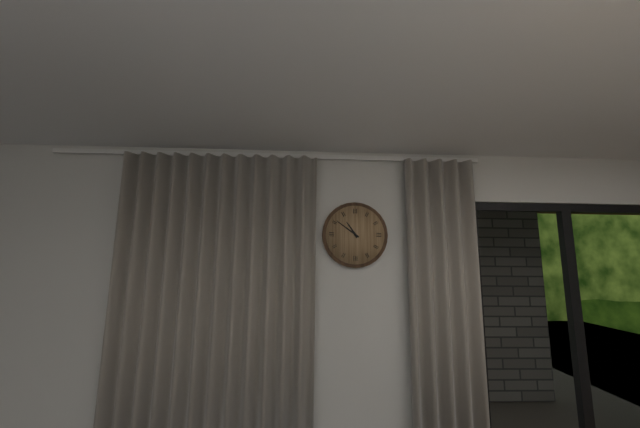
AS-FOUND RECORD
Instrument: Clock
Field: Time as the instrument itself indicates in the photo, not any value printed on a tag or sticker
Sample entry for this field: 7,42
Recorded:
10,51
